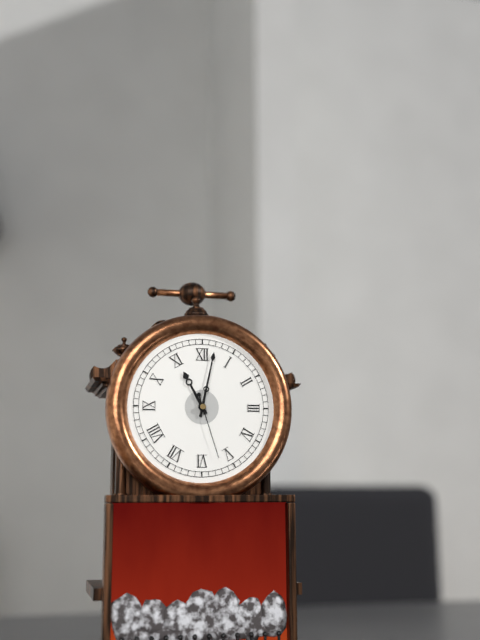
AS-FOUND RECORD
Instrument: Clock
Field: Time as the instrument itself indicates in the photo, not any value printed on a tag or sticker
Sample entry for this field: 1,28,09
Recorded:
11,02,27
